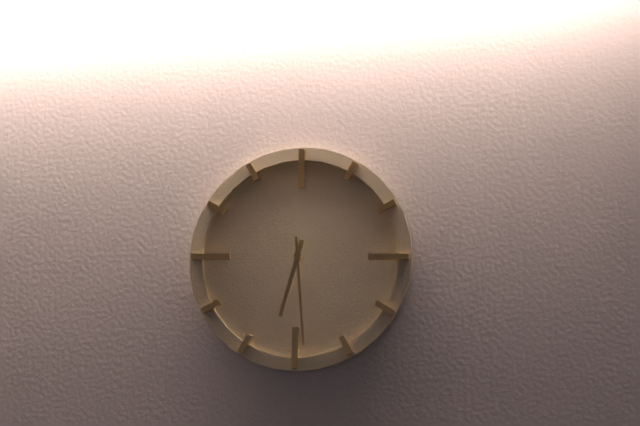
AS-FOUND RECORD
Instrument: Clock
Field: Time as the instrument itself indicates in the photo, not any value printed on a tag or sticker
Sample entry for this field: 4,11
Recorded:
6,29
